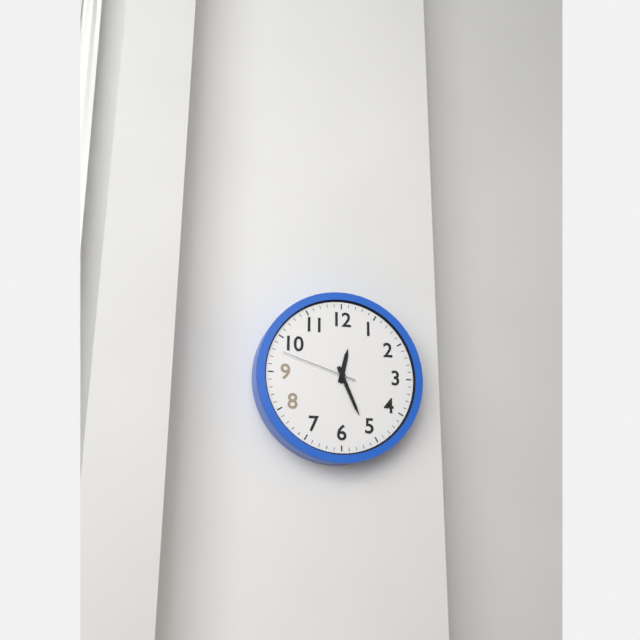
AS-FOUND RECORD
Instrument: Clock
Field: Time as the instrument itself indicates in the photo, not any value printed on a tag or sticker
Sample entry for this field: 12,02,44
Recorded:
12,26,48
